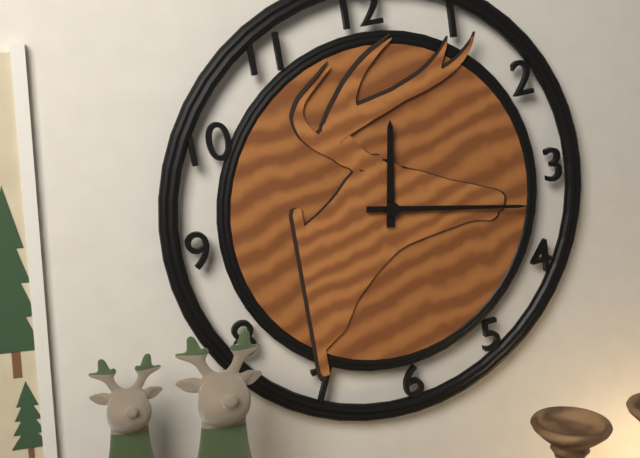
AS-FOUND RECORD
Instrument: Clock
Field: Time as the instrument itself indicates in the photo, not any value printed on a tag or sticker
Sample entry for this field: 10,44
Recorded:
12,17
